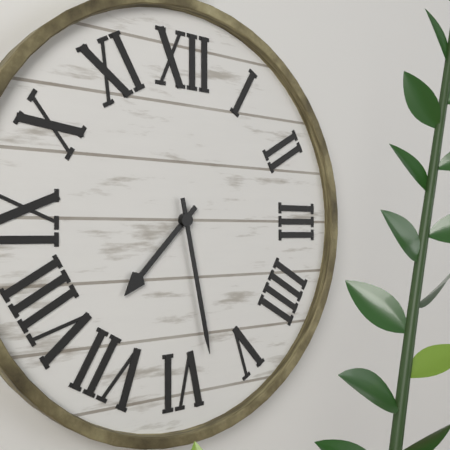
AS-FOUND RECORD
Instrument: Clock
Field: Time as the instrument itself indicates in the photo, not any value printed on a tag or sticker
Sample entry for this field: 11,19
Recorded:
7,28
